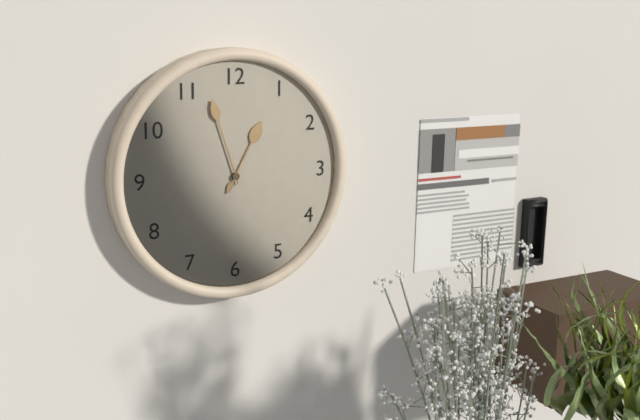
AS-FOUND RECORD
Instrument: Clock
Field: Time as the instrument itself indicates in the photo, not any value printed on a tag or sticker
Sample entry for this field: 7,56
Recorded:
12,57
